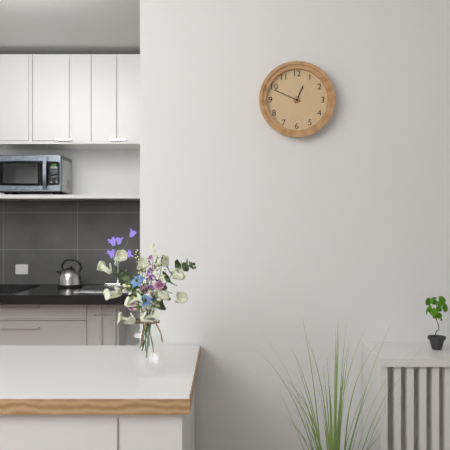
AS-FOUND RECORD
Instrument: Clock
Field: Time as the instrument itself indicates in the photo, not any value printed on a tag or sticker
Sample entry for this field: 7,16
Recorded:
12,49
